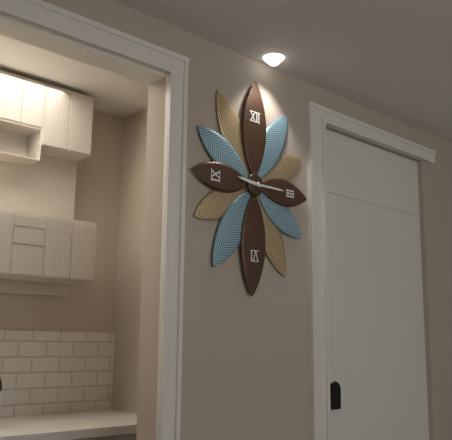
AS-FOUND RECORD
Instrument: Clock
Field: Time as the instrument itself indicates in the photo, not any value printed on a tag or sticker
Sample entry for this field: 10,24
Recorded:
9,15
